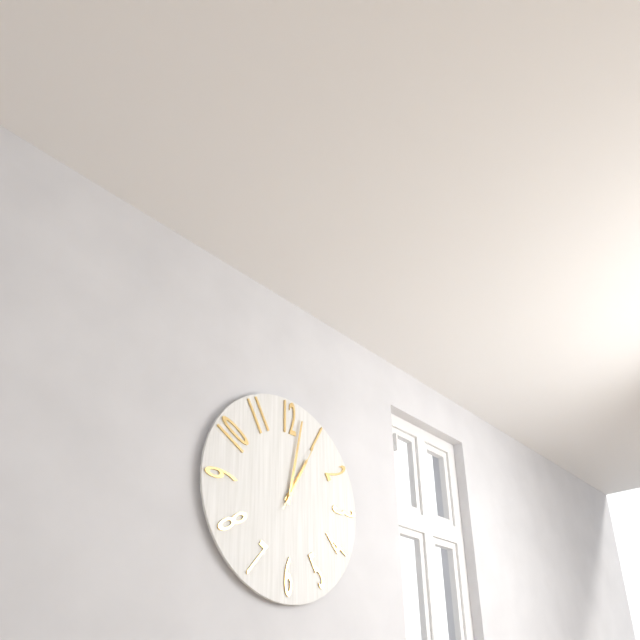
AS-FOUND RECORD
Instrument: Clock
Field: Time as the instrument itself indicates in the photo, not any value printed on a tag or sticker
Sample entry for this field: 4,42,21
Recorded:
1,02,05
